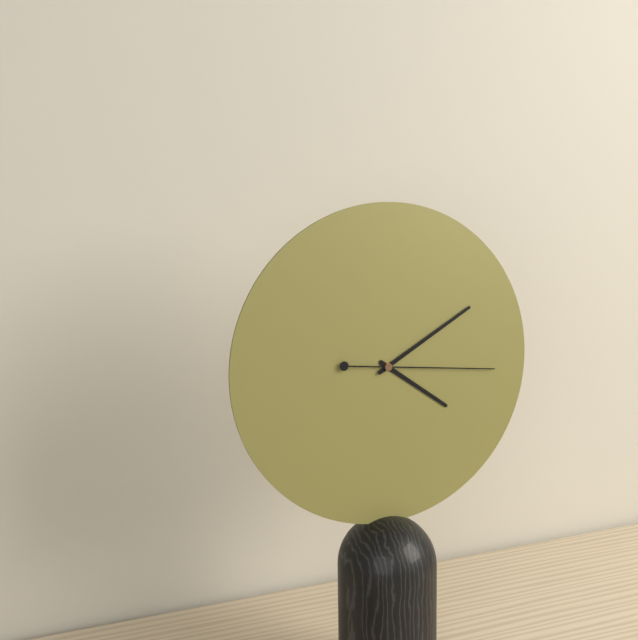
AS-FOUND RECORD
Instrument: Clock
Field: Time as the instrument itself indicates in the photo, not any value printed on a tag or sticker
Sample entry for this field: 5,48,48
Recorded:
4,10,16
